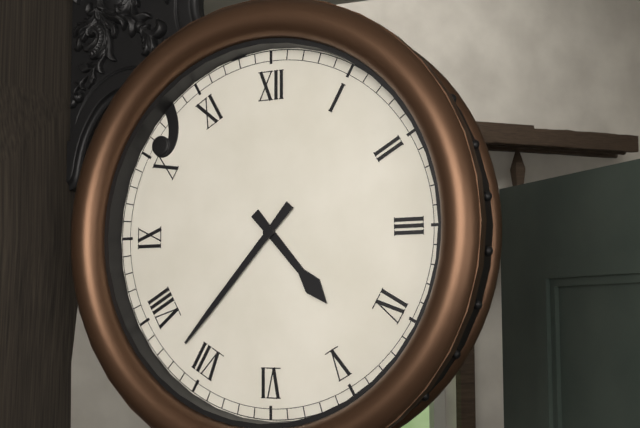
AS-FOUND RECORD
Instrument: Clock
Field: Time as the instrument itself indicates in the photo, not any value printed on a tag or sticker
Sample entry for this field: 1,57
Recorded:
4,37
